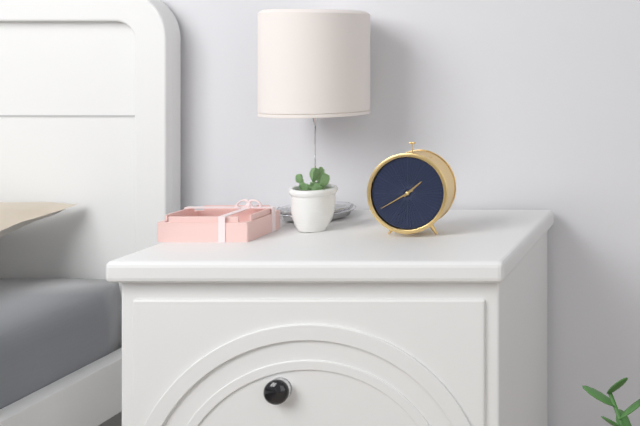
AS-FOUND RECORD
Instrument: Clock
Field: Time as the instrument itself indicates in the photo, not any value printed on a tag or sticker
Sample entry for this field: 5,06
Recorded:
1,40
